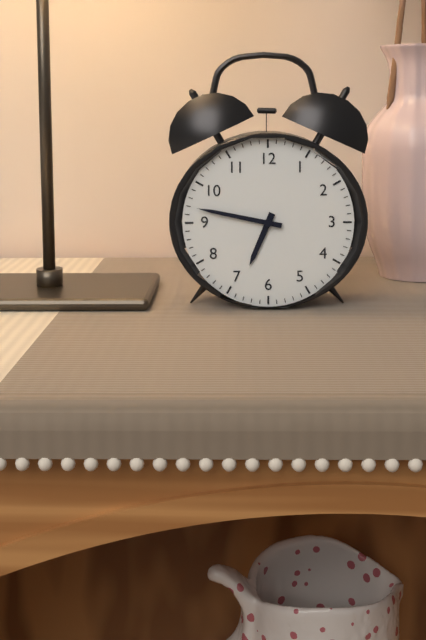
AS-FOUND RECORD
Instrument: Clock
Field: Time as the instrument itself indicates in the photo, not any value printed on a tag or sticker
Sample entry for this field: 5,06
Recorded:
6,47
